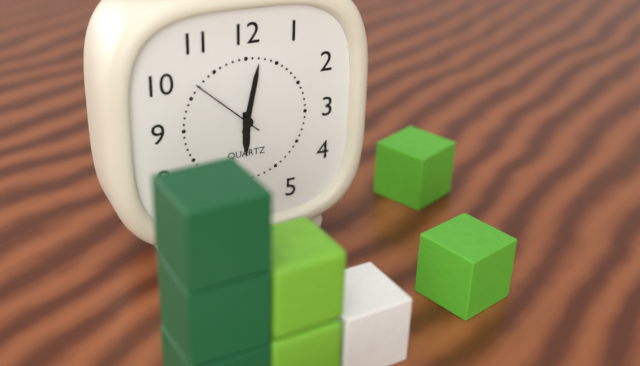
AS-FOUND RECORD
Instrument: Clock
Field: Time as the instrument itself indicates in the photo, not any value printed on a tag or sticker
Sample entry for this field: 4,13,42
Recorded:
6,02,52
